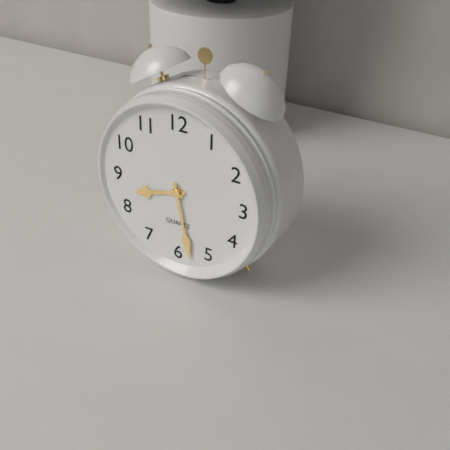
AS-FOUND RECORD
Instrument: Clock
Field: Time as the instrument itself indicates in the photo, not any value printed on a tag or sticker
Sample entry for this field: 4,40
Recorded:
8,28
